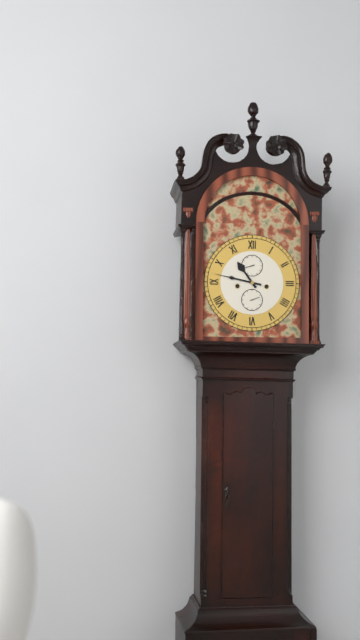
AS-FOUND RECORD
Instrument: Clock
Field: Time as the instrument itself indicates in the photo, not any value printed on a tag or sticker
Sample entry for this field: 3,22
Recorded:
10,47
